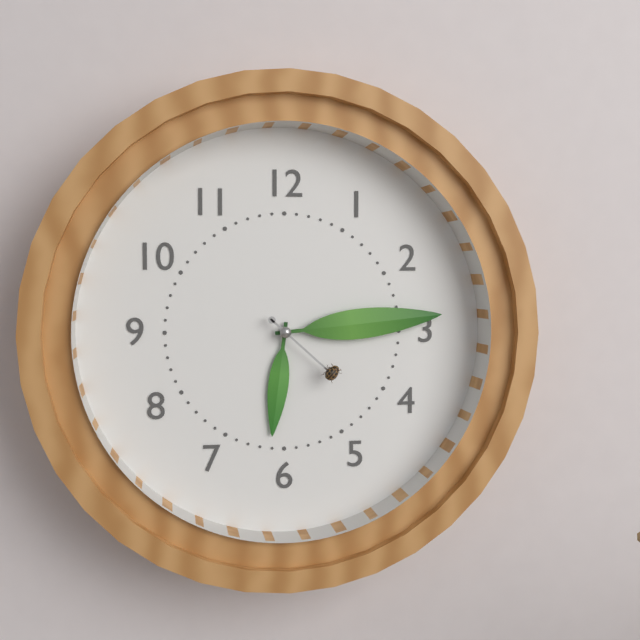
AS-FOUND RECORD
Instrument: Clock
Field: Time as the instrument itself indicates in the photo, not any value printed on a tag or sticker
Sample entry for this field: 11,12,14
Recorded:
6,14,22
